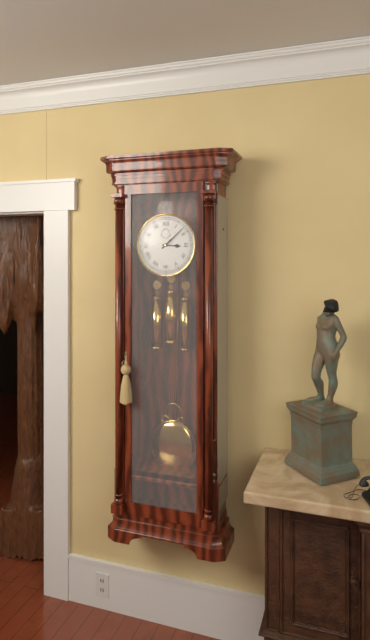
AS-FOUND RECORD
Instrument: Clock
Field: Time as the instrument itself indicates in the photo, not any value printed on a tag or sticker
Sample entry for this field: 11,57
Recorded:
3,08
